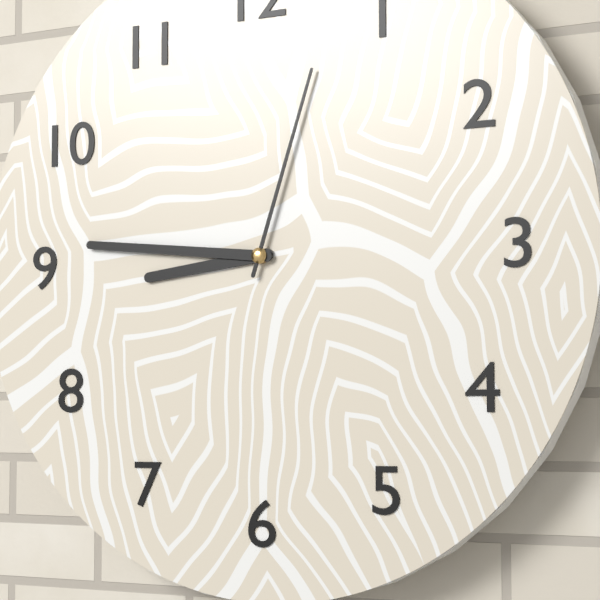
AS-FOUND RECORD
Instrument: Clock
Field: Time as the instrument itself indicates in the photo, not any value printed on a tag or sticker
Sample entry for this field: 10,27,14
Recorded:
8,46,03
